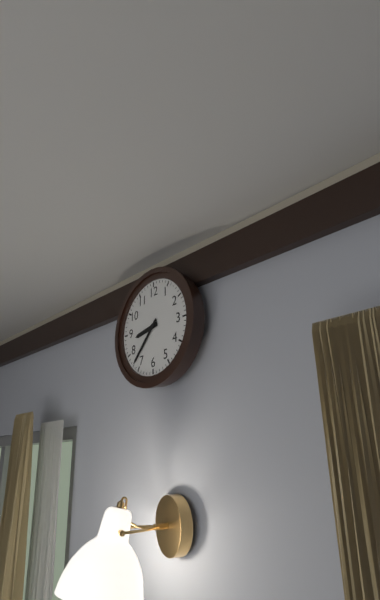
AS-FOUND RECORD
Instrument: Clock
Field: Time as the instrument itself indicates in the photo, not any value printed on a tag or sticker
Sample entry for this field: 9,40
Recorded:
8,37
